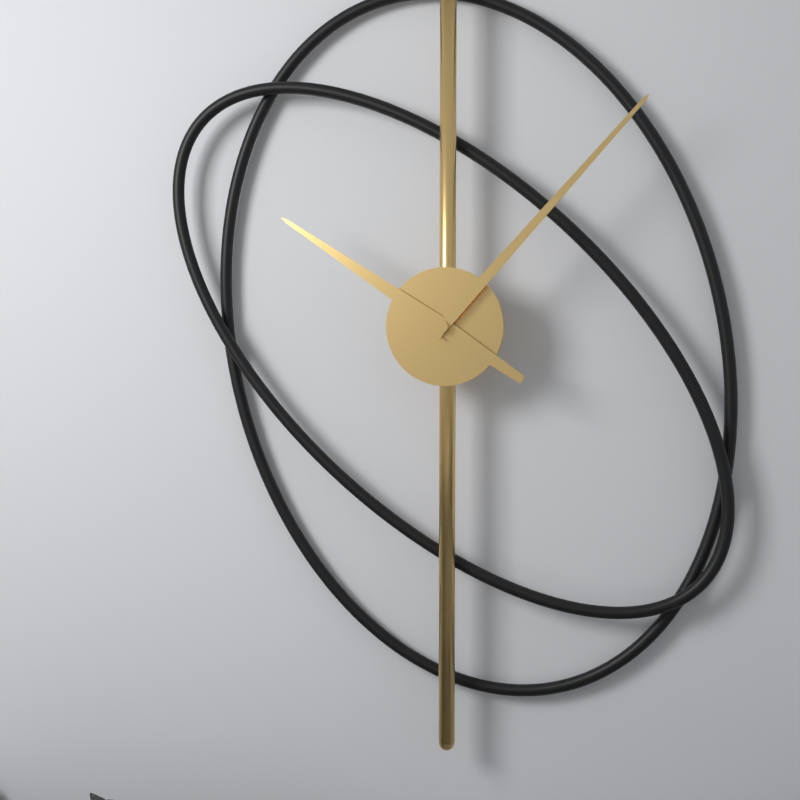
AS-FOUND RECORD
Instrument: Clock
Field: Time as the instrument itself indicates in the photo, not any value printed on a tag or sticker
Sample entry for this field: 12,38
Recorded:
10,07
